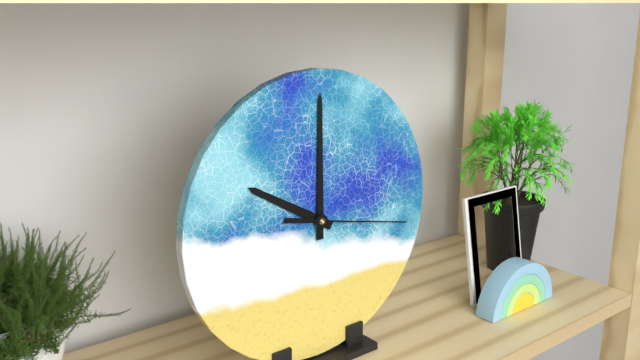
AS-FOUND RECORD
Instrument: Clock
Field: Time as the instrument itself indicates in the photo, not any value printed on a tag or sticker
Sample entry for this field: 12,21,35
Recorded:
10,00,17
